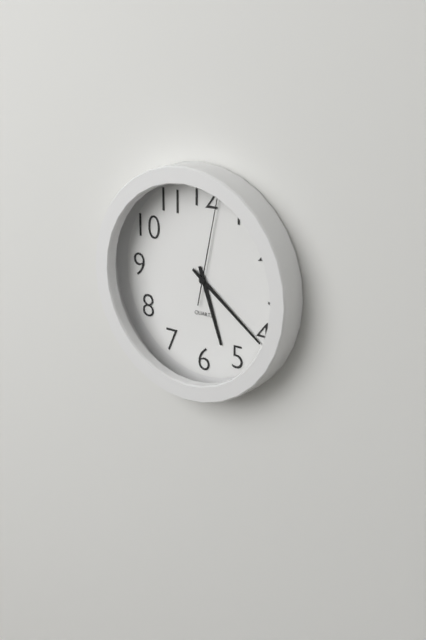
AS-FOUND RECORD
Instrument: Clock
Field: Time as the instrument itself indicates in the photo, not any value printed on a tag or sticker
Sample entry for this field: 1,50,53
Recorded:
5,21,02
